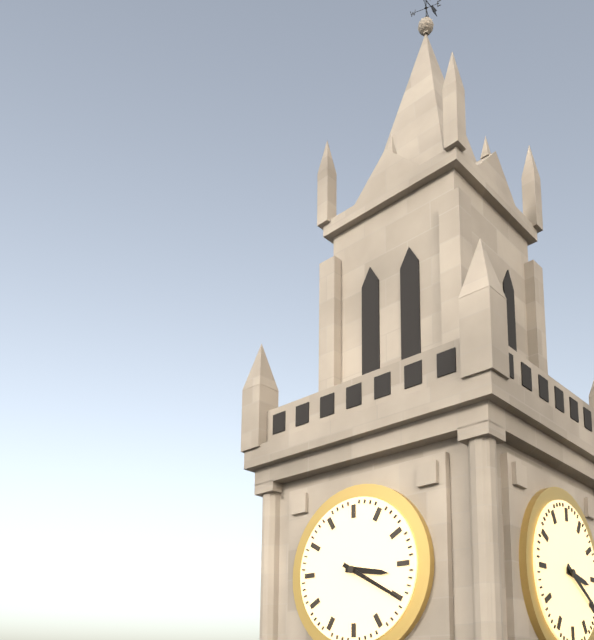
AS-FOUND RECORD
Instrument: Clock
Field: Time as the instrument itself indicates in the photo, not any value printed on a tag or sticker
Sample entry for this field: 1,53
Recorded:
3,20
